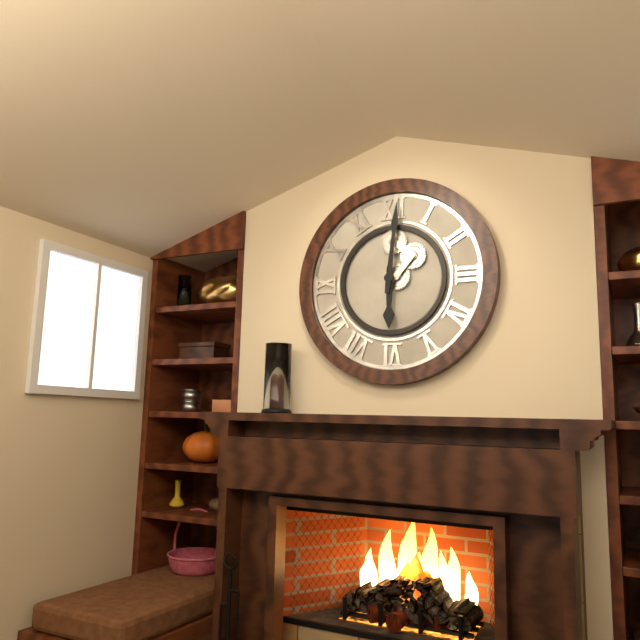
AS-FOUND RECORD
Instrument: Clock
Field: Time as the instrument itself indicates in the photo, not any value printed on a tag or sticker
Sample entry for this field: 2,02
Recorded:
6,01
